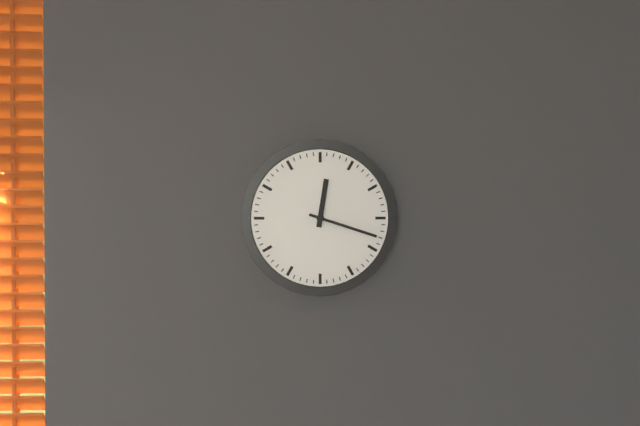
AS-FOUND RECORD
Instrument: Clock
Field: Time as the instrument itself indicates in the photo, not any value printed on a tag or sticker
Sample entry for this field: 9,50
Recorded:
12,18
